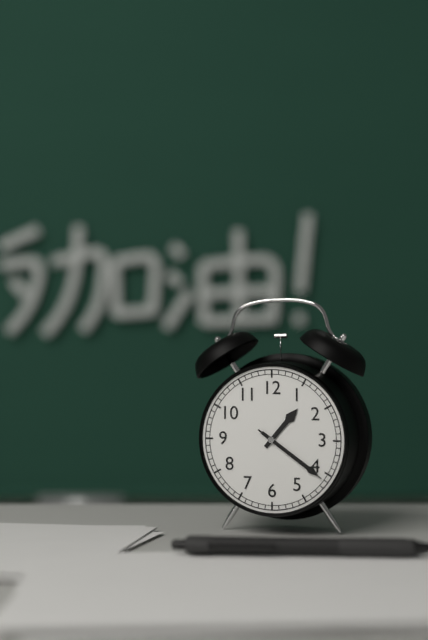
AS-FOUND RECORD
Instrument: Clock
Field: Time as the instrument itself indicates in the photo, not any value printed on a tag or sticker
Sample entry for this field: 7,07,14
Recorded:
1,21,21
